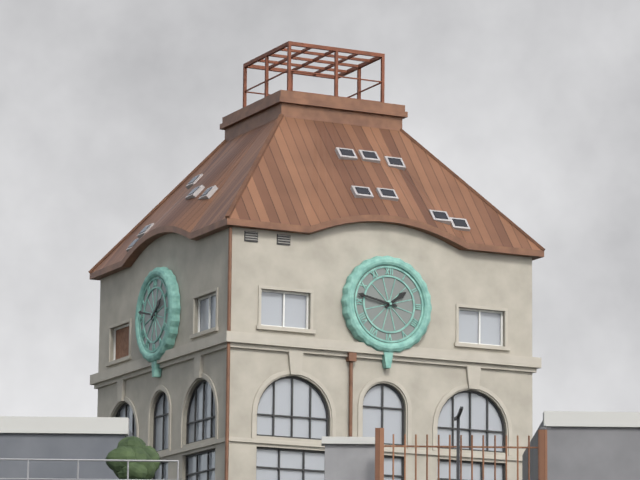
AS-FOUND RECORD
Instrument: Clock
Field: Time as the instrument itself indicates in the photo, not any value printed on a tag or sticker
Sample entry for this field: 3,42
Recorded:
1,47
